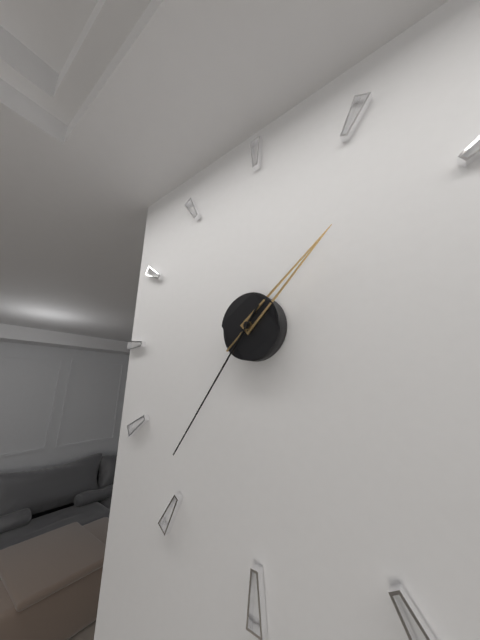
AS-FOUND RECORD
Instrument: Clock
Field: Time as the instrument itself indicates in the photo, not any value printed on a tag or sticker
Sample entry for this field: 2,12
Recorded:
1,36
